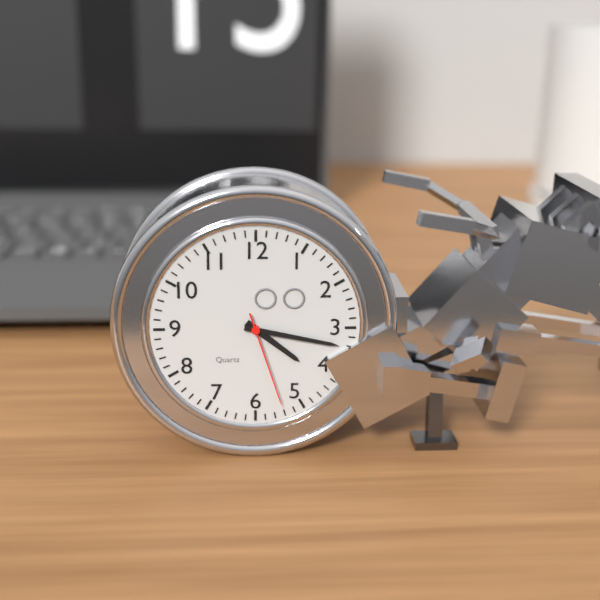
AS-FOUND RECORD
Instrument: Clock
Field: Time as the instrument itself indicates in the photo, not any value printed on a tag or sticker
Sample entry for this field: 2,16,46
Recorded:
4,17,27
